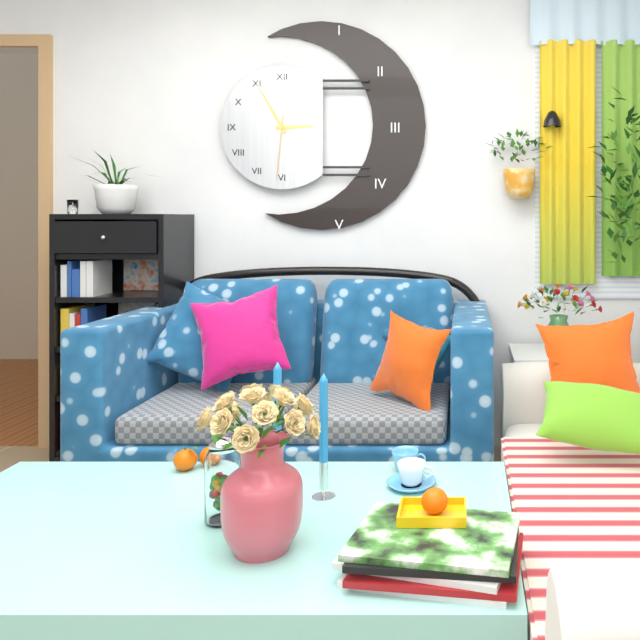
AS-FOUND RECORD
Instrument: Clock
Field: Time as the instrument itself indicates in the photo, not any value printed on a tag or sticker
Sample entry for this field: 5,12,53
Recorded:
2,55,31
